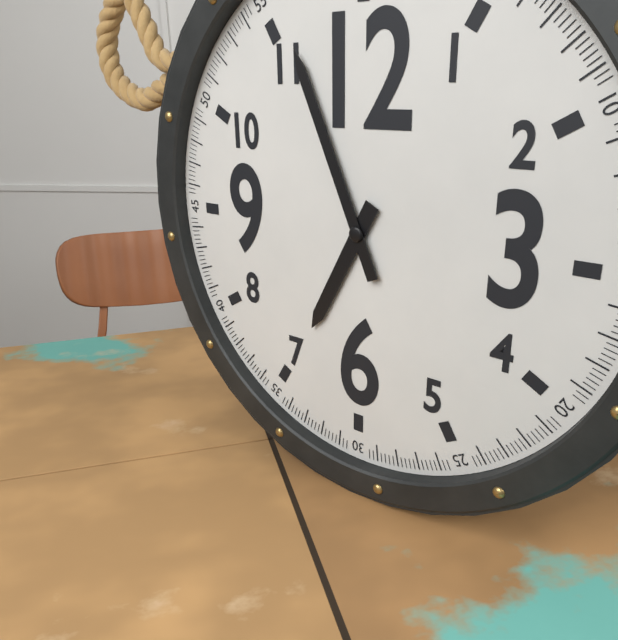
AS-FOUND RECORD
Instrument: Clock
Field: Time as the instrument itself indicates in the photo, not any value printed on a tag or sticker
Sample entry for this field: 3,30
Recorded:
6,56
